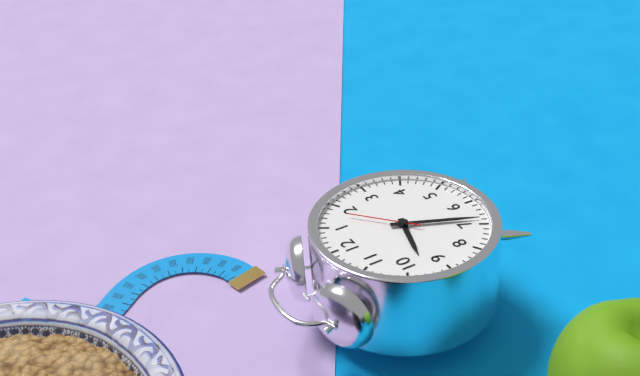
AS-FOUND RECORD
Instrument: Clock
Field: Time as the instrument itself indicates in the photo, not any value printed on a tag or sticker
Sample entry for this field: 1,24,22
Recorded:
9,34,08
